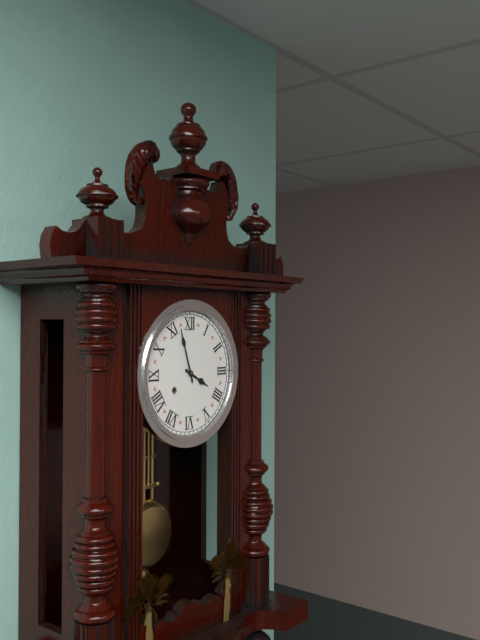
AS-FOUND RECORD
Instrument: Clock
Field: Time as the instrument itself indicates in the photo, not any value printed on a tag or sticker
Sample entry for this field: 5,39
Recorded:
3,57
